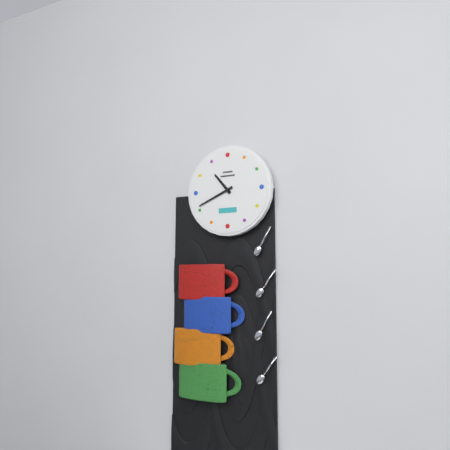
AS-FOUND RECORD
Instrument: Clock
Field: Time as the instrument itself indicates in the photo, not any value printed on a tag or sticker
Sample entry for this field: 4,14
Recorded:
10,41
